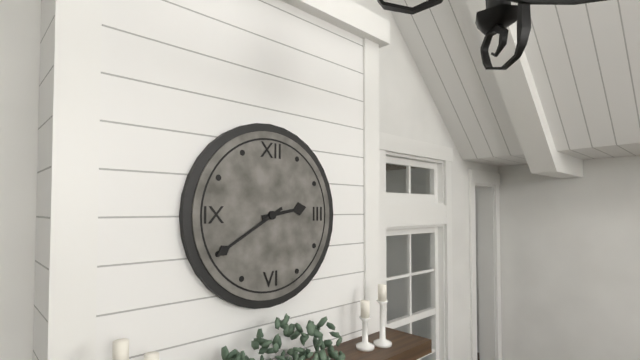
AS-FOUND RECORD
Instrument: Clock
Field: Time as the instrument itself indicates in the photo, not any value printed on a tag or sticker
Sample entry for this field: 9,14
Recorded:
2,40
